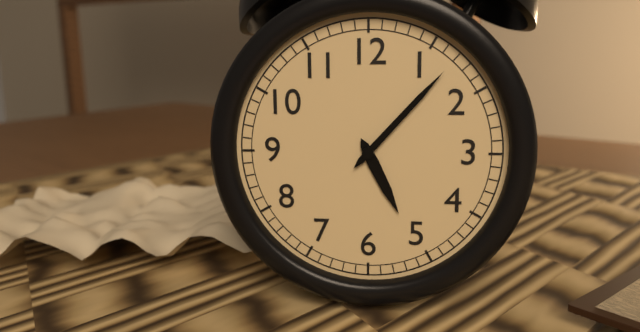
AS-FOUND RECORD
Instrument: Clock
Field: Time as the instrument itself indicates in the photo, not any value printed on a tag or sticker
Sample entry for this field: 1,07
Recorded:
5,07
